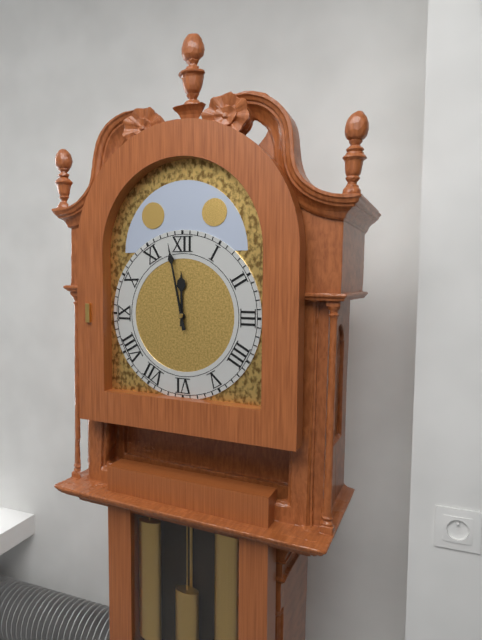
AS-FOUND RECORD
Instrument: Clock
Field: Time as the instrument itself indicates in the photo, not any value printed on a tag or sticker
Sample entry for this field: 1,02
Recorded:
11,58
